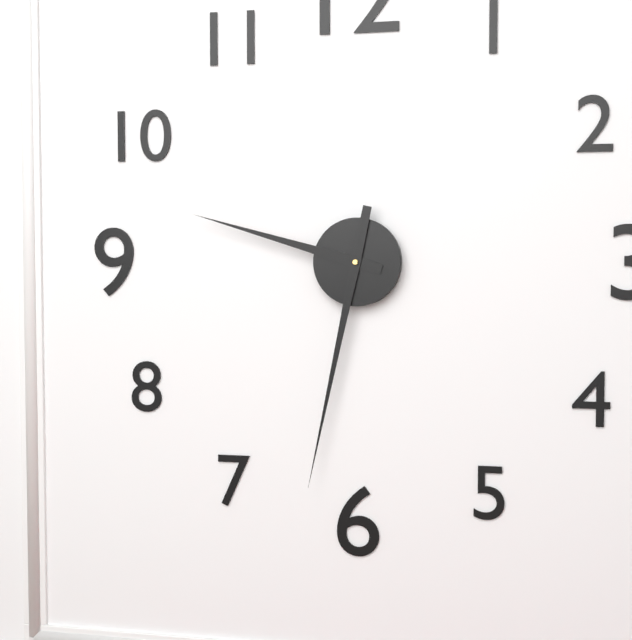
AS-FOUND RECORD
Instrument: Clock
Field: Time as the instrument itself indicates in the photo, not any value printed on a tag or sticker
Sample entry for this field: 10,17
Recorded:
9,32
